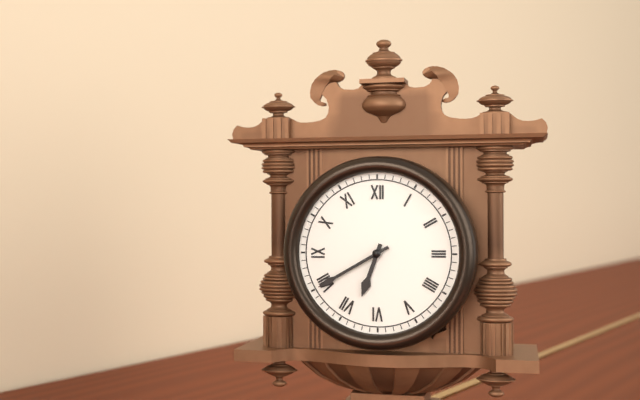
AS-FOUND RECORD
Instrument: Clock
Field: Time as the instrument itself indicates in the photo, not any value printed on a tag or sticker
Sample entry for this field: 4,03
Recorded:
6,40
